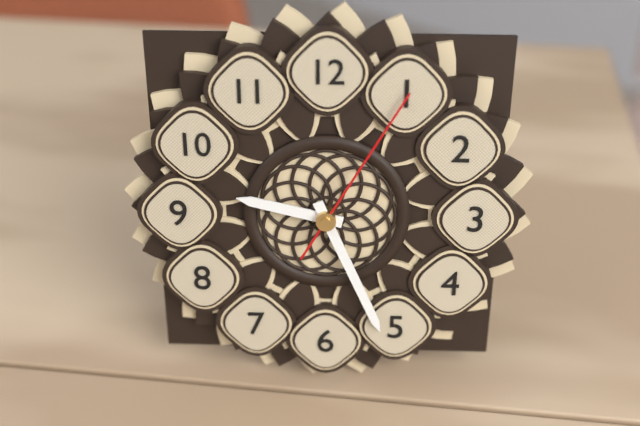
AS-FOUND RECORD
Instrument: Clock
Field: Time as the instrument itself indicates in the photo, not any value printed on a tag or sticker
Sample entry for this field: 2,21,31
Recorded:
9,26,05
